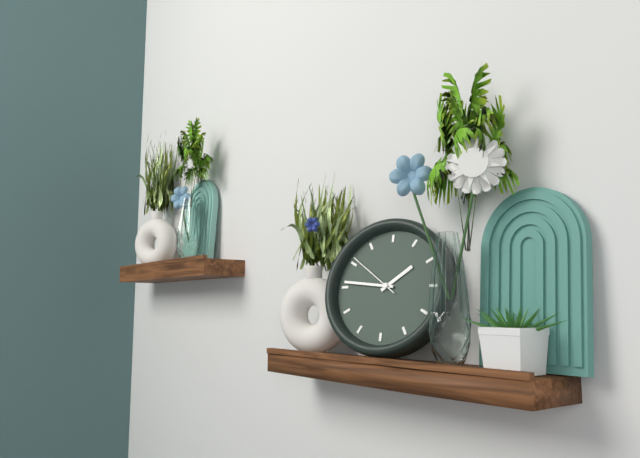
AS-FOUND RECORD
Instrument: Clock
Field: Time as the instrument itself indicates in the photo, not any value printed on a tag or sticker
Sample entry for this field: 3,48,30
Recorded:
1,46,51
